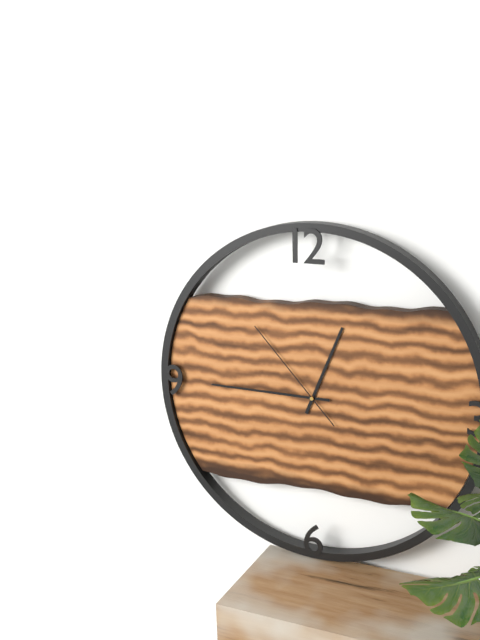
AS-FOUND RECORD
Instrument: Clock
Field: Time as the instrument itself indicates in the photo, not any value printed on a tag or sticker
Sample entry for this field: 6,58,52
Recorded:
12,45,53
